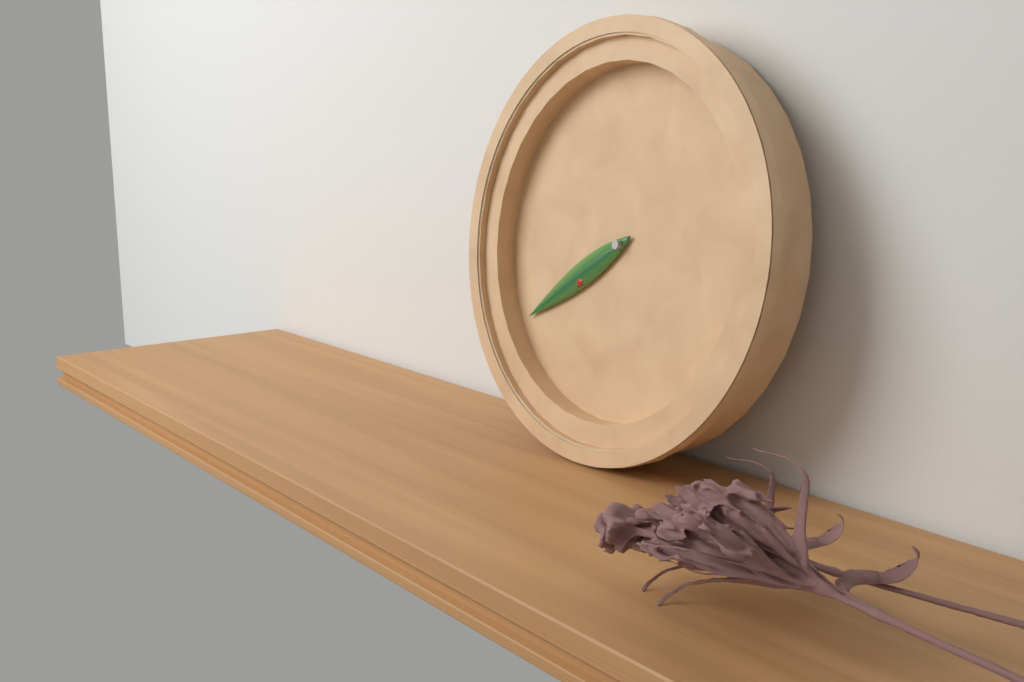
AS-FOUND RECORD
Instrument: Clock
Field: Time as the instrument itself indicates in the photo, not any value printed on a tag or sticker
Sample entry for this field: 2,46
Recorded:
7,39
